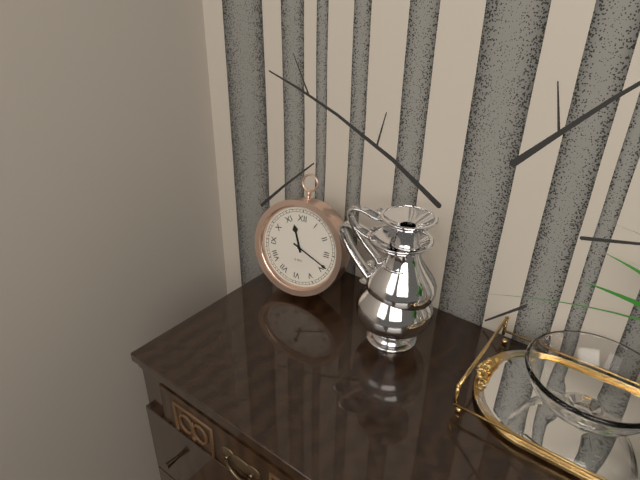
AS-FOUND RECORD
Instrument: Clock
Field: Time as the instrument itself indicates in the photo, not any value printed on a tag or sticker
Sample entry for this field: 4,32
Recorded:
11,19
